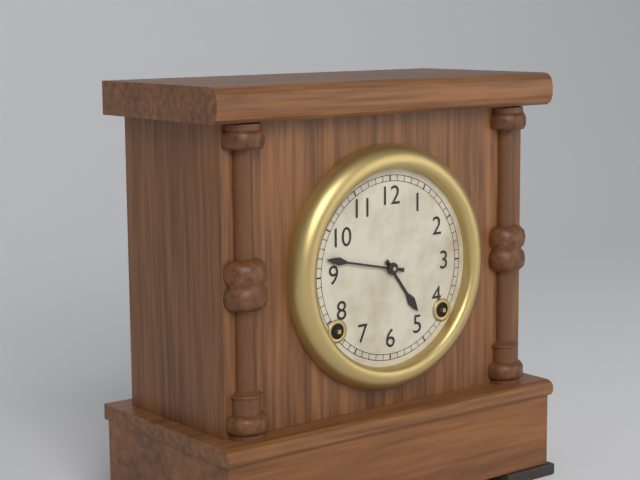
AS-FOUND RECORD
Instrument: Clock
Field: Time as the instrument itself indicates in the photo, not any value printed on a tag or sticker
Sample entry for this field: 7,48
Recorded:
4,47
